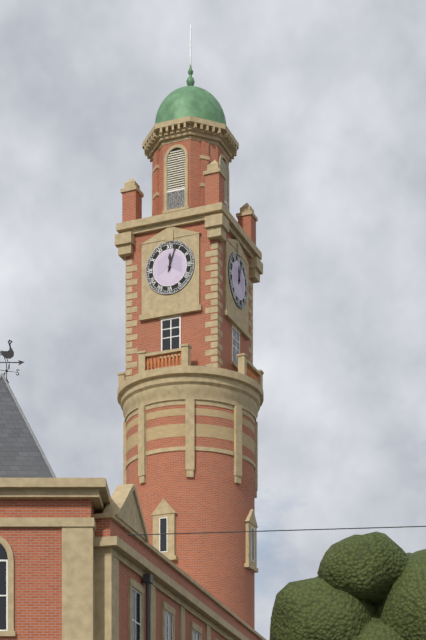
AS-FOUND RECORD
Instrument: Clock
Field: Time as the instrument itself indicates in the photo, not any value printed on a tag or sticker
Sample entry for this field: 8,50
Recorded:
12,03
